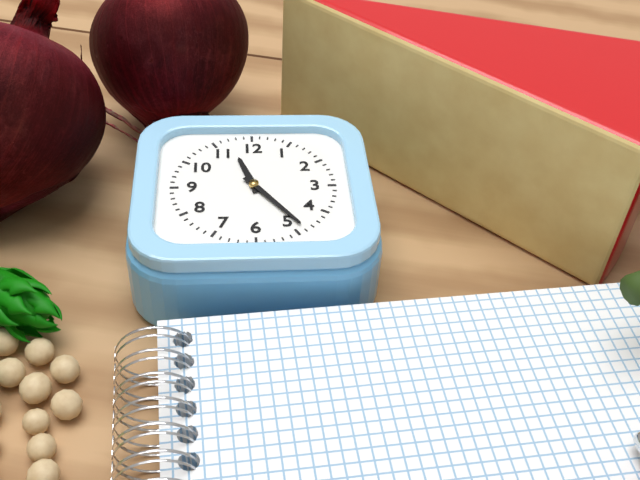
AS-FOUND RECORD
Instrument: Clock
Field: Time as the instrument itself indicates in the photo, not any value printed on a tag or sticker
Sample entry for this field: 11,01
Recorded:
11,24
